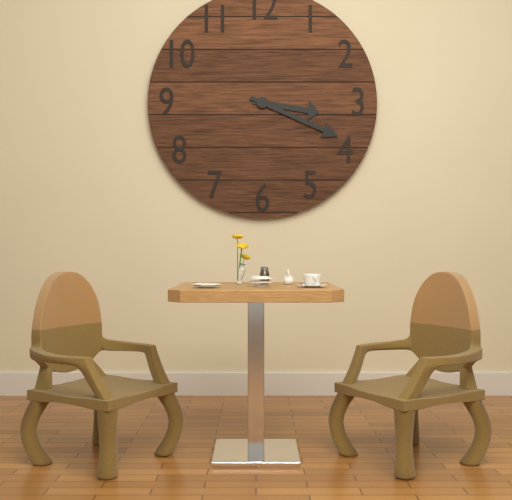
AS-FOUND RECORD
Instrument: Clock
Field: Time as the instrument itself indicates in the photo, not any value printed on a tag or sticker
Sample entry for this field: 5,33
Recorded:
3,19
